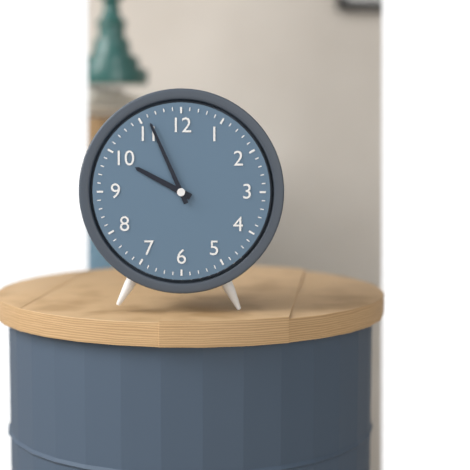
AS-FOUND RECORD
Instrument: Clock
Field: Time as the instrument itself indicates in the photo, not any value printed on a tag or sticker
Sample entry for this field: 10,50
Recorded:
9,56
